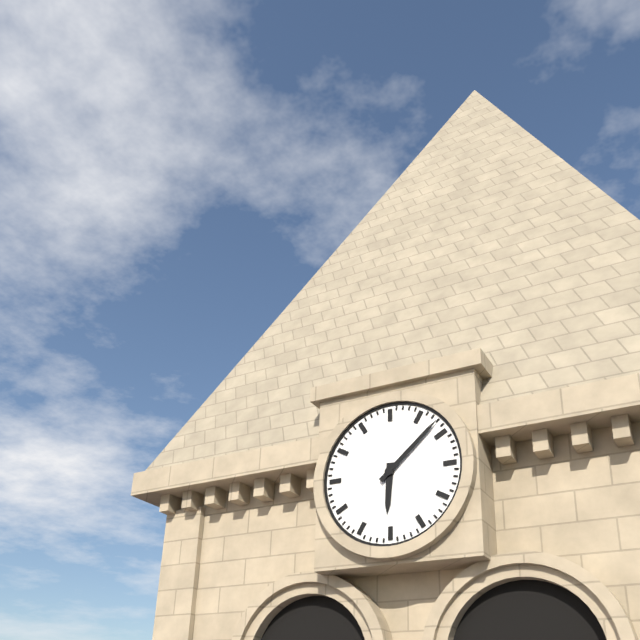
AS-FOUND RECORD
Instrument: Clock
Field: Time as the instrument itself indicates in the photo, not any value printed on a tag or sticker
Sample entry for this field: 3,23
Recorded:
6,08
